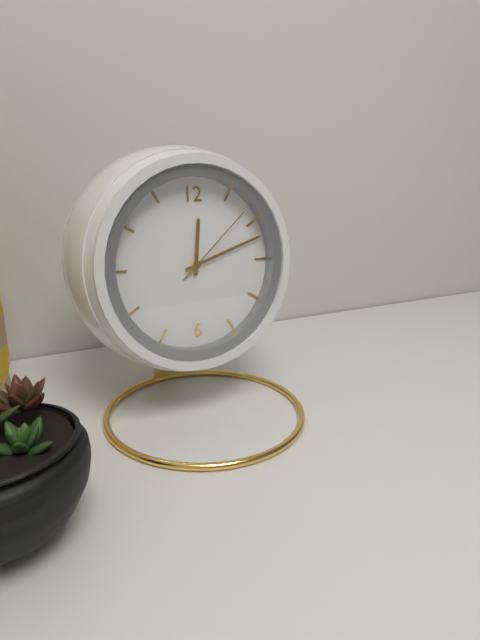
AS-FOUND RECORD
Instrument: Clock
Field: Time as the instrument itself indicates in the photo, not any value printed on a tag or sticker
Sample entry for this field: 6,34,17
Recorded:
12,12,08
